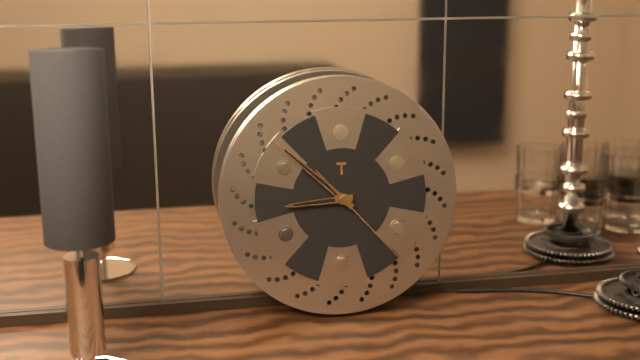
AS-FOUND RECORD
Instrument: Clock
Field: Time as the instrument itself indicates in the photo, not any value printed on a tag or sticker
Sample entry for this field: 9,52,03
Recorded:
8,52,23
